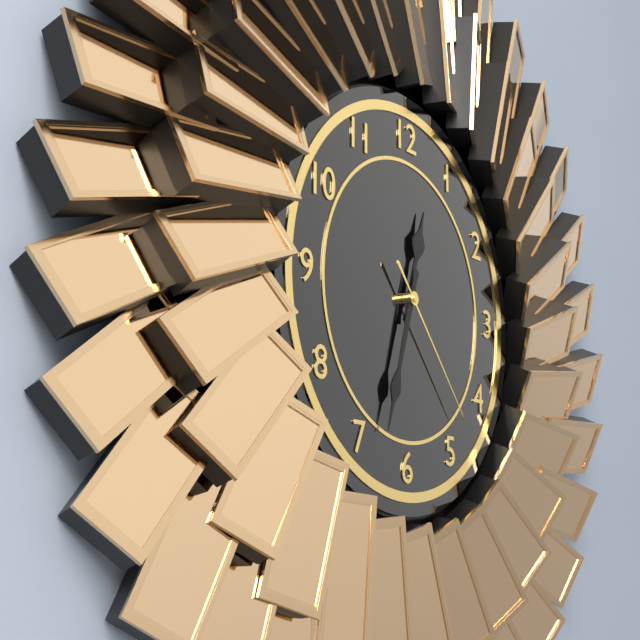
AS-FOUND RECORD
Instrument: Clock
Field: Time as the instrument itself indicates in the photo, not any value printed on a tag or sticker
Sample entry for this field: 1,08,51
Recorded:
12,33,23
